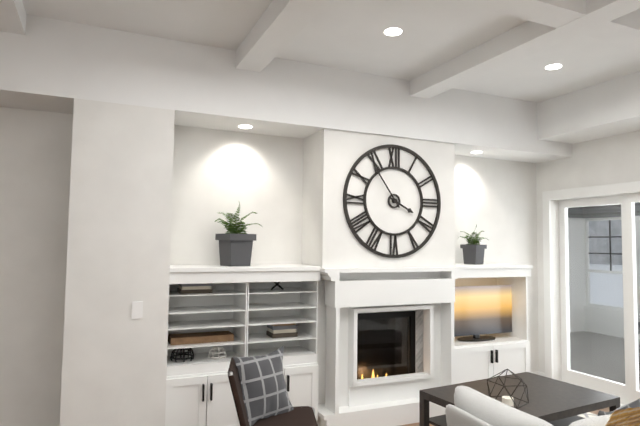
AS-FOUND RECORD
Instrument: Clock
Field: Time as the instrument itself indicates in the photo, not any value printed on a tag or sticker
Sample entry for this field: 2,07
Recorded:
3,54
